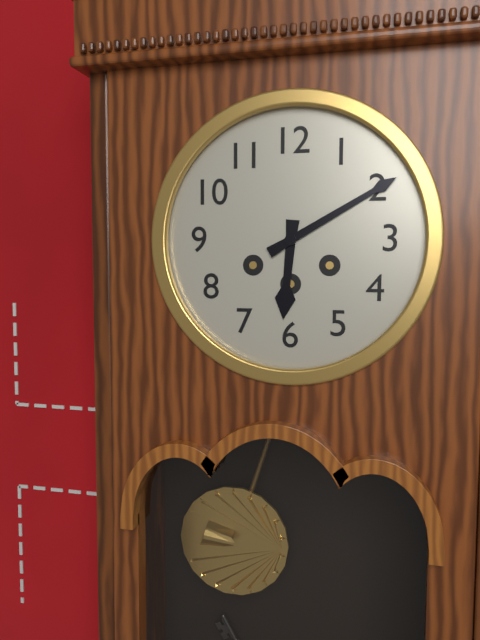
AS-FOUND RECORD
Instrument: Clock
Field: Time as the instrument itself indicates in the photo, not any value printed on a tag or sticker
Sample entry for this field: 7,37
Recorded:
6,10
